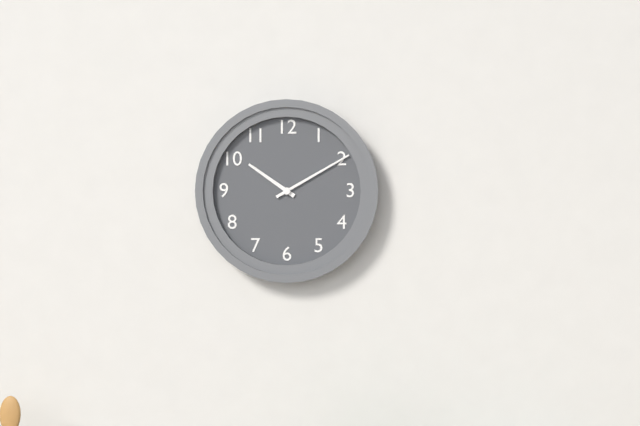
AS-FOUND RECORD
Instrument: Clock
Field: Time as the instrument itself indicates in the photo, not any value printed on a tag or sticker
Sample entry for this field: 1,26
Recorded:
10,10
